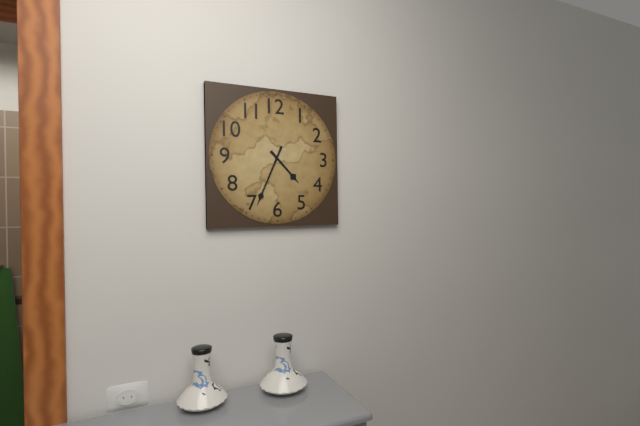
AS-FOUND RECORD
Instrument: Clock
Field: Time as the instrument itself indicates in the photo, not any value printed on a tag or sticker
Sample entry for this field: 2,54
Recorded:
4,34
